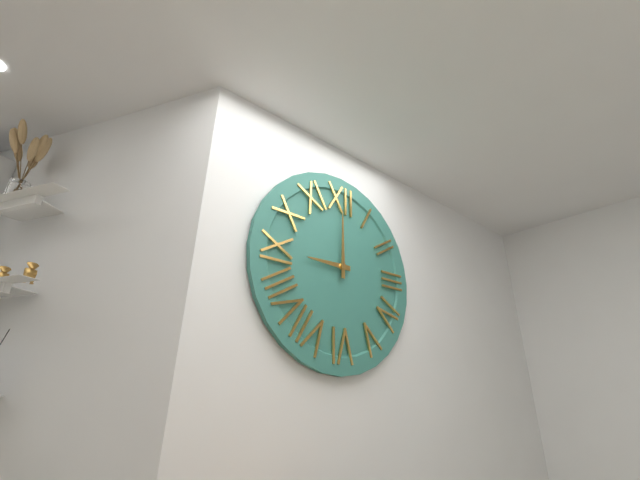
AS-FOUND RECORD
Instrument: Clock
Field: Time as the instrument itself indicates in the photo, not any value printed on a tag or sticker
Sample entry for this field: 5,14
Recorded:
9,00
